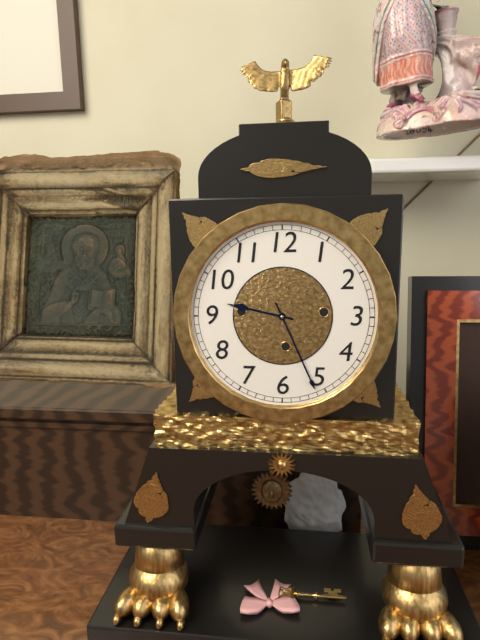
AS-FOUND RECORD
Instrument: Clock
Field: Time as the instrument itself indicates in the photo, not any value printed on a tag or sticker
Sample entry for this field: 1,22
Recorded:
9,26
